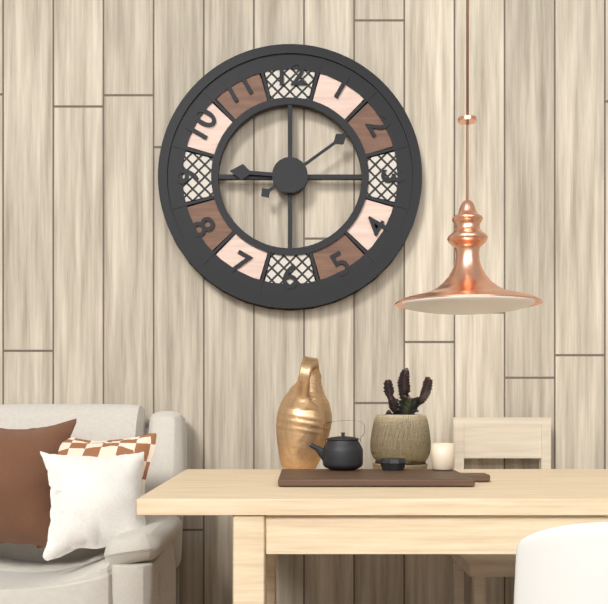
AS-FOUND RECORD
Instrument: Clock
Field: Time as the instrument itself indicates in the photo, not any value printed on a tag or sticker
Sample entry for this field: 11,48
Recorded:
9,09
